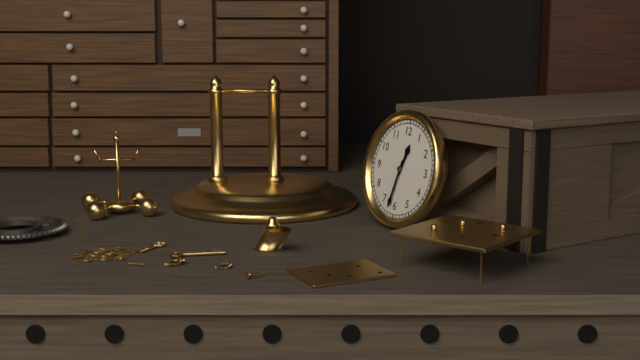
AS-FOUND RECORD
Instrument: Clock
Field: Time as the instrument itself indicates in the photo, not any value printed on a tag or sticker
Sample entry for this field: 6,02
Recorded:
12,32
